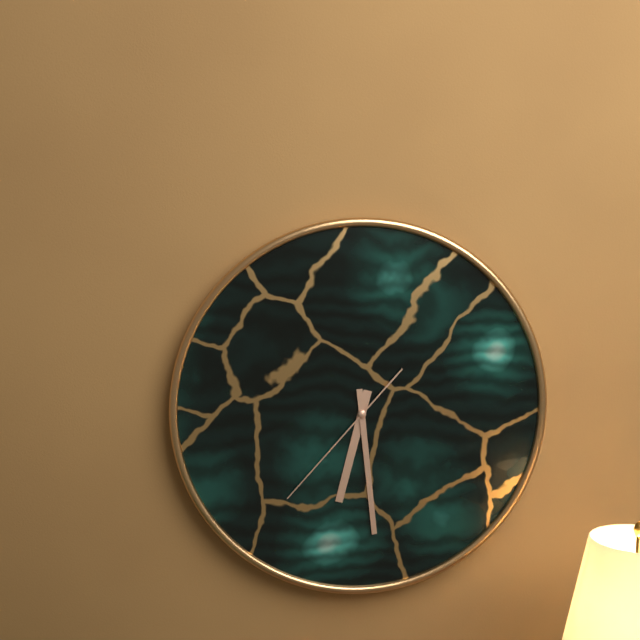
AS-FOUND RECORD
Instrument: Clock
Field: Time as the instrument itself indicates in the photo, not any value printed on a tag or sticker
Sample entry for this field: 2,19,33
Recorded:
6,29,37
